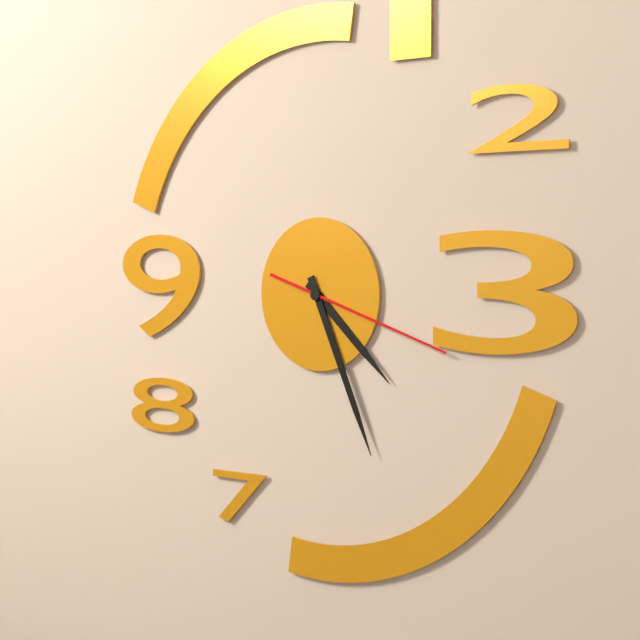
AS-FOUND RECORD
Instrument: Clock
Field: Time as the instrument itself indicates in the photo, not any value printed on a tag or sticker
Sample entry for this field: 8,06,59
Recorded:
4,26,18
